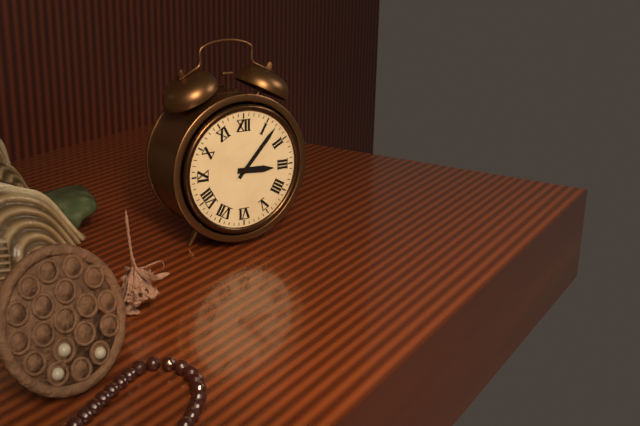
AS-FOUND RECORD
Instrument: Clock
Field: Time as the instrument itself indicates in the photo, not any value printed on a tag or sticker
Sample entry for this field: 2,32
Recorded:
3,07
